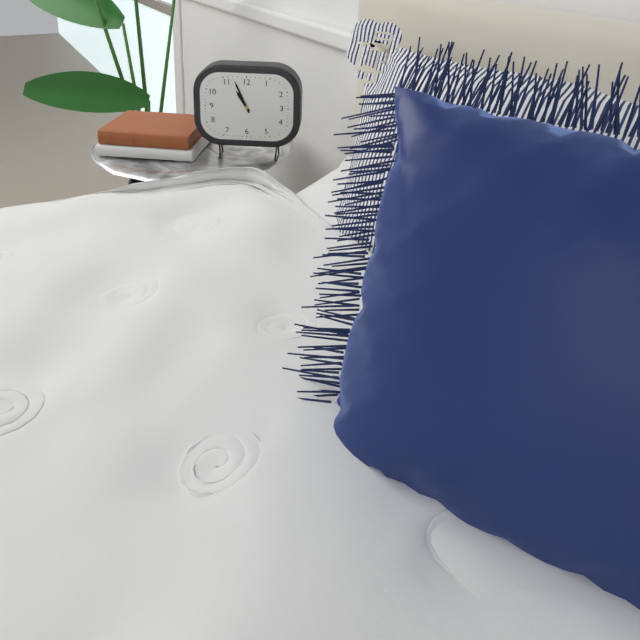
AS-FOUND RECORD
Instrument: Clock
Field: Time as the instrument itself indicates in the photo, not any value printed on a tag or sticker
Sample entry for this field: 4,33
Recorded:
10,56
